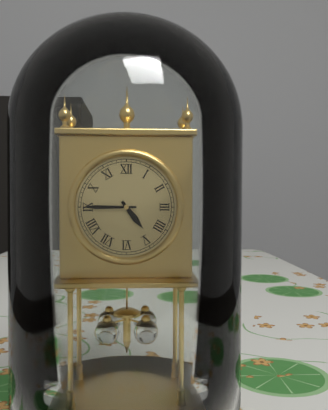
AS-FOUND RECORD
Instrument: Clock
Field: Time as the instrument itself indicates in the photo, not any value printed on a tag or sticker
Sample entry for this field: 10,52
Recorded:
4,45
